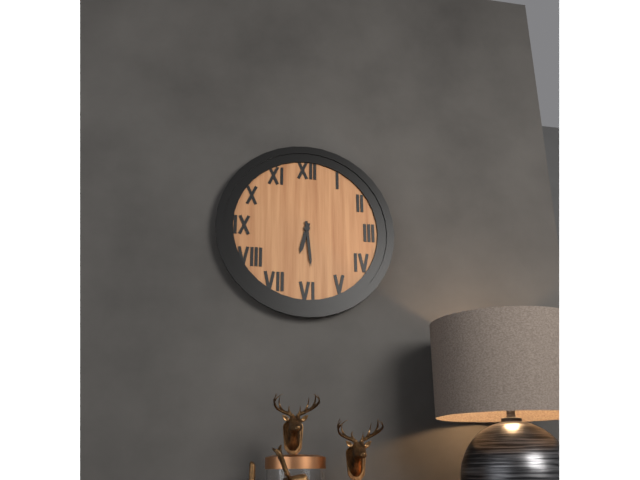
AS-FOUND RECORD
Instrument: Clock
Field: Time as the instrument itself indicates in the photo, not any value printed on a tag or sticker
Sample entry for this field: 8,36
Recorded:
6,29
